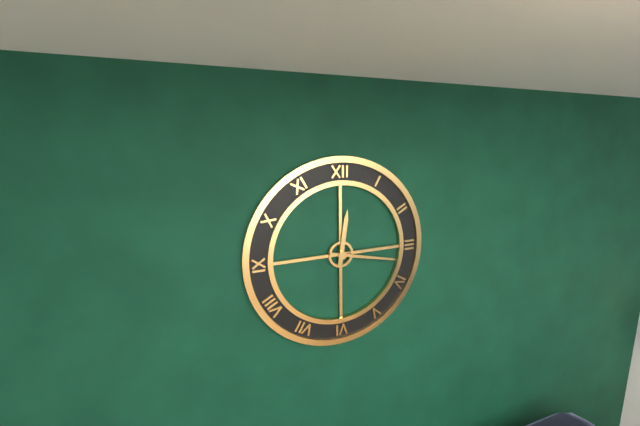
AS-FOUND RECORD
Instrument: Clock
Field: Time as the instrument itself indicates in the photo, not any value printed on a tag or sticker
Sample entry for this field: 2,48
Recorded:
12,17
